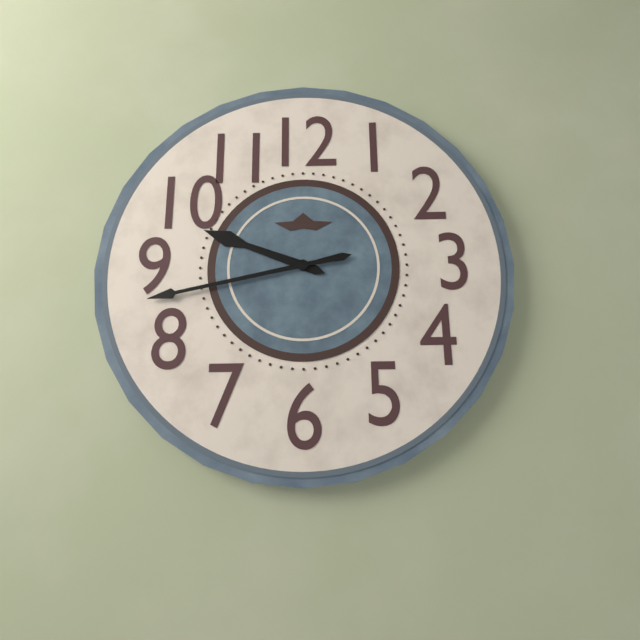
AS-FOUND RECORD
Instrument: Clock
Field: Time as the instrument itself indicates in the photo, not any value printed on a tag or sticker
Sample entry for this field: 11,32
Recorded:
9,43
